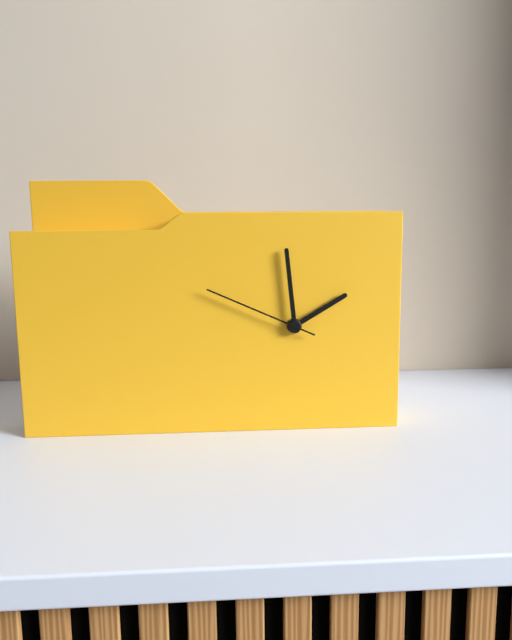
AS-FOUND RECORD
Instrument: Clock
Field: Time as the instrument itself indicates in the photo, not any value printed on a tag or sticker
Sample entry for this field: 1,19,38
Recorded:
1,59,49
